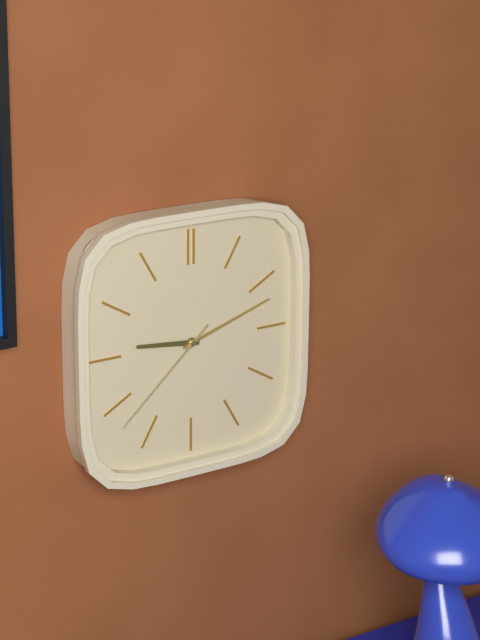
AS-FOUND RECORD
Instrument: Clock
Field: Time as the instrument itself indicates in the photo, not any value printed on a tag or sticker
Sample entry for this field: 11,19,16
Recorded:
9,12,38
